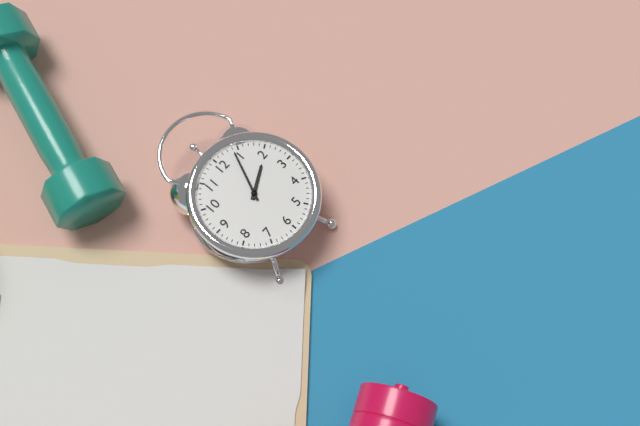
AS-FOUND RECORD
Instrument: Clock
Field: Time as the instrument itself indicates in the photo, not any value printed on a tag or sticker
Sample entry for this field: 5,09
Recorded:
2,04
